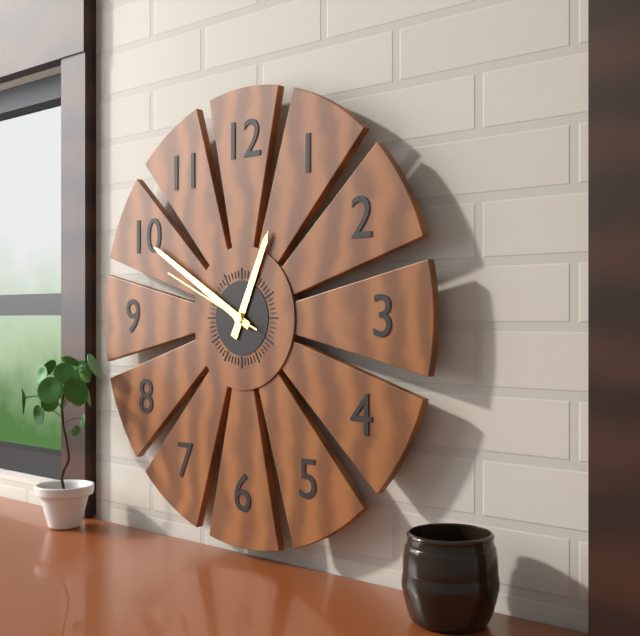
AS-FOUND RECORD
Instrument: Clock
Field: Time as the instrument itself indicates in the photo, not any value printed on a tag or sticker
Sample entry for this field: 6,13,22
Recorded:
12,50,49
